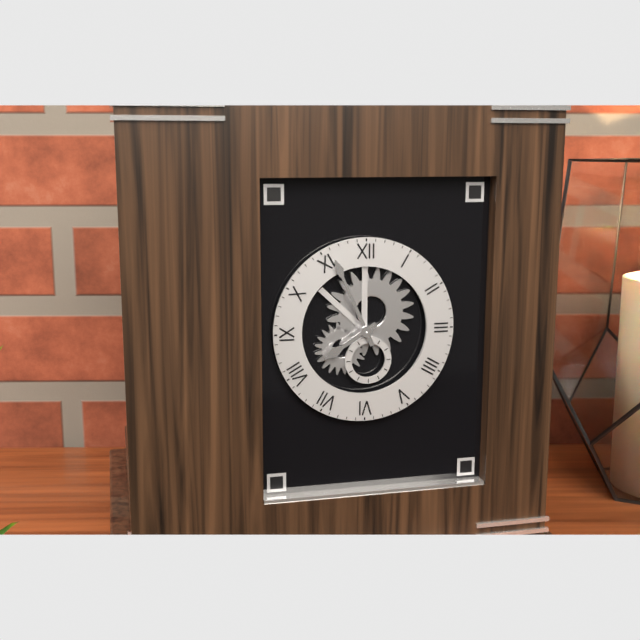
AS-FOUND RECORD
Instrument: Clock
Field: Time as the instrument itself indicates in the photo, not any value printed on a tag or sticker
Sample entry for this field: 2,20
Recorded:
7,56
